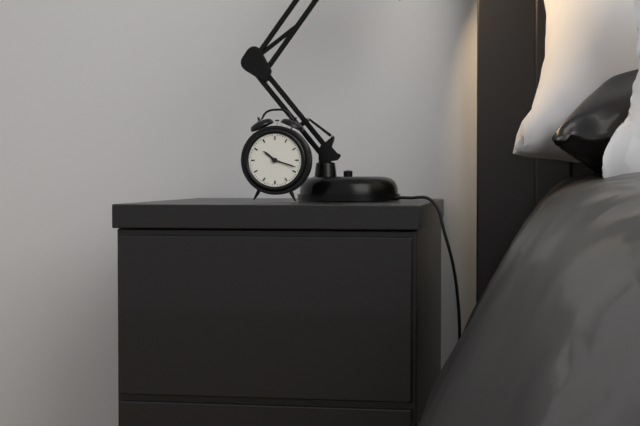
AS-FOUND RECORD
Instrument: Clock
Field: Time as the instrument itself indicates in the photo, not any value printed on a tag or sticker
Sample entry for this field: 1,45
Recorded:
10,18
